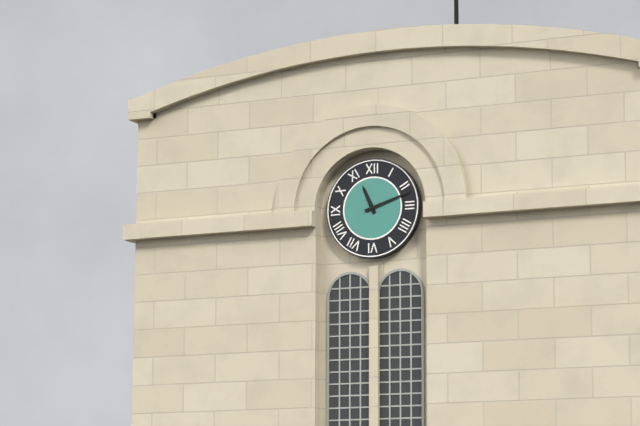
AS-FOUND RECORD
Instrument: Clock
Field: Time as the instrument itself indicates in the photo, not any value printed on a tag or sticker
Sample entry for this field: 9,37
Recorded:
11,12
